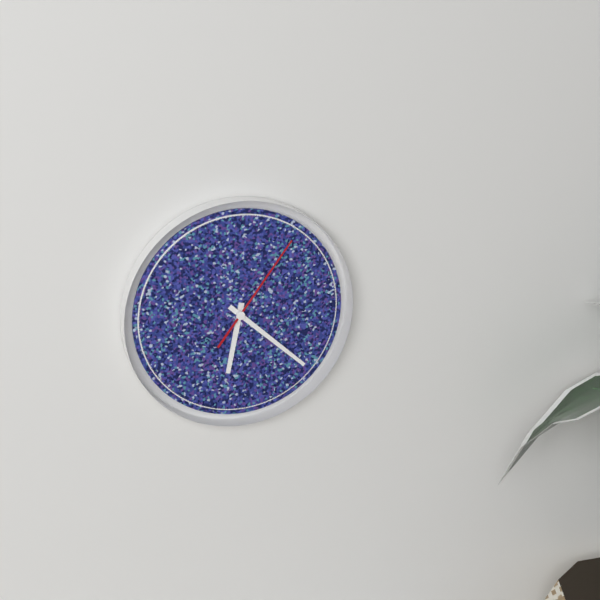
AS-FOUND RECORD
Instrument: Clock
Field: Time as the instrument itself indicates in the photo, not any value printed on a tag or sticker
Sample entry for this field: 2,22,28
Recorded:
6,22,06
